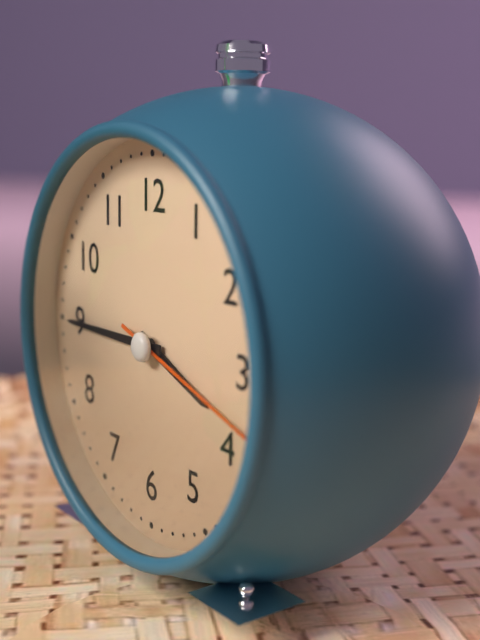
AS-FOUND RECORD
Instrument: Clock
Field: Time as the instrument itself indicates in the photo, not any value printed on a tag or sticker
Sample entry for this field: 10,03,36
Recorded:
3,45,18
